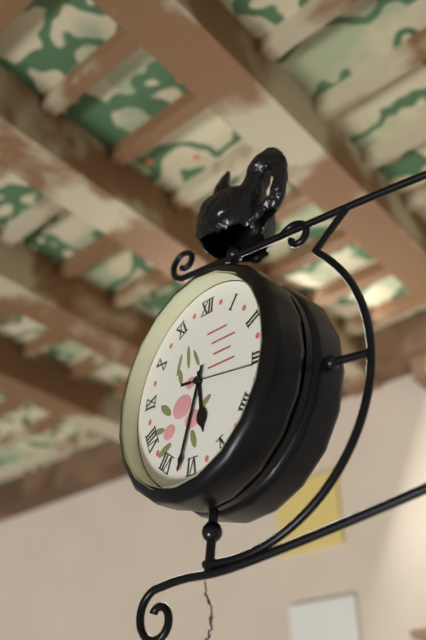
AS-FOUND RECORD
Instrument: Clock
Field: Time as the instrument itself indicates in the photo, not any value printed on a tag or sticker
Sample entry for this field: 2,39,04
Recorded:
5,32,16
